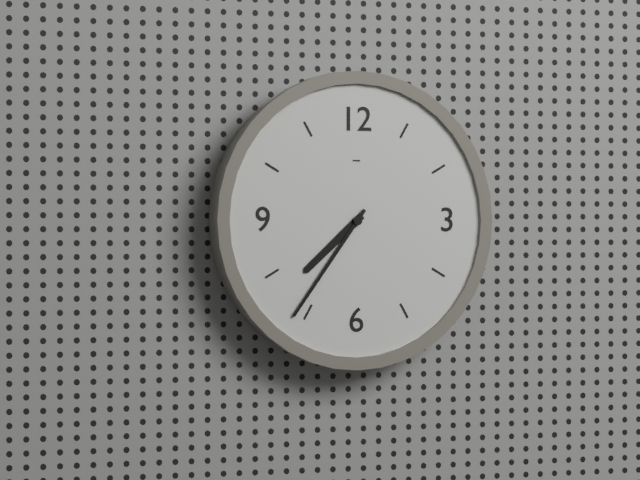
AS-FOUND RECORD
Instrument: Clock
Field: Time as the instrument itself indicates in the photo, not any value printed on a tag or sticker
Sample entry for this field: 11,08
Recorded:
7,36
